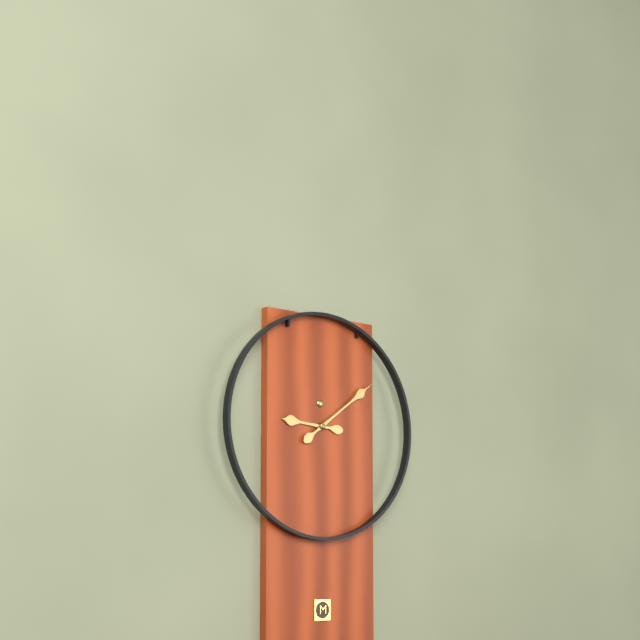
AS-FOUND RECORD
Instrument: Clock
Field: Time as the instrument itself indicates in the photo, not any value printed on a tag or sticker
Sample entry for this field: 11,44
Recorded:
9,09
